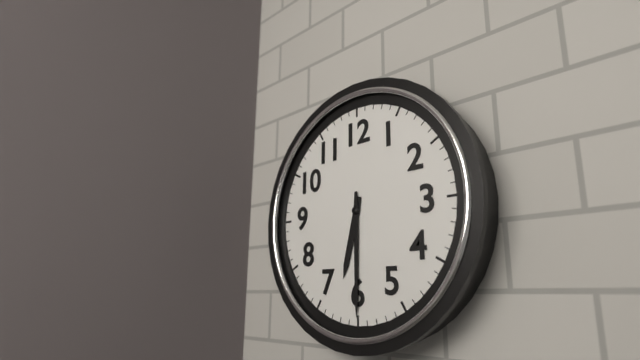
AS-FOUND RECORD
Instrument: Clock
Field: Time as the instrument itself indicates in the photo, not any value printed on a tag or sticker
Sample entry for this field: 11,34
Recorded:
6,30
